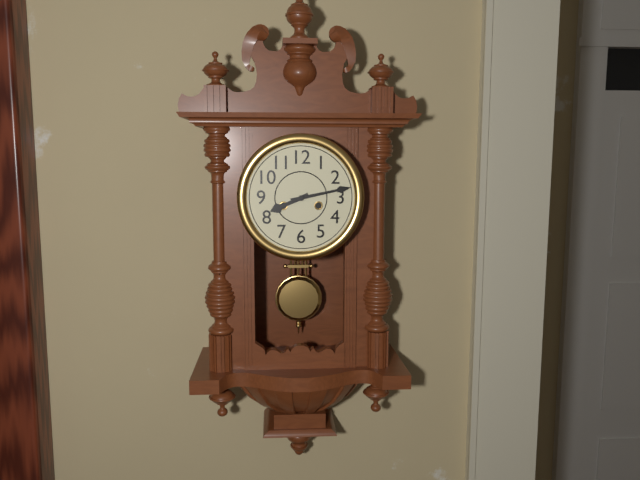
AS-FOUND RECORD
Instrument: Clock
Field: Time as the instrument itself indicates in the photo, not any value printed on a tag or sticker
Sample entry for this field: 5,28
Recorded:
8,13
